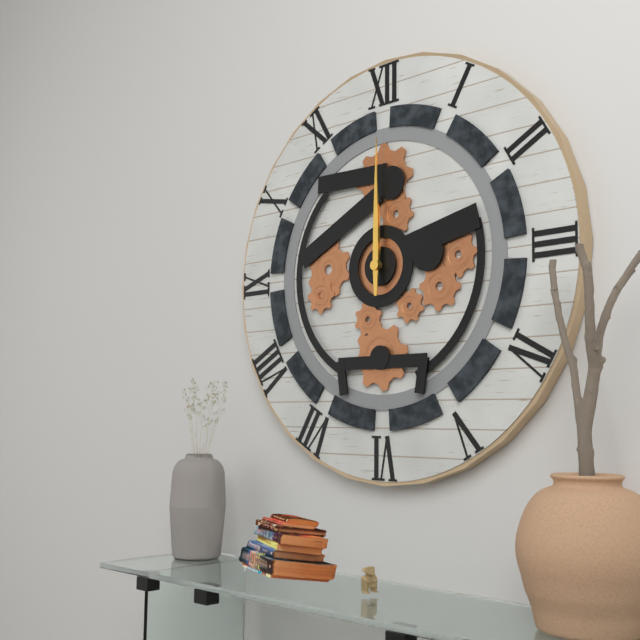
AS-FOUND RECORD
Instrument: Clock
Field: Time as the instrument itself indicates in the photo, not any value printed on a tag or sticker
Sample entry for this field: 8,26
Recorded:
12,00
